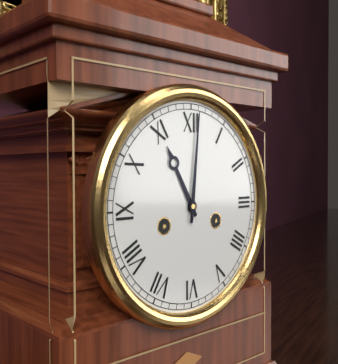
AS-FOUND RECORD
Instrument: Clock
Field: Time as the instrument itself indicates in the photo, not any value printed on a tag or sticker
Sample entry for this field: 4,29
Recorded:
11,01
